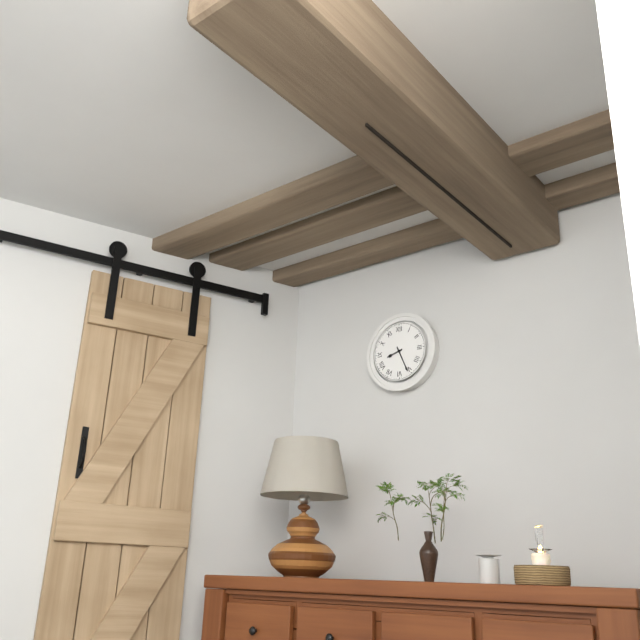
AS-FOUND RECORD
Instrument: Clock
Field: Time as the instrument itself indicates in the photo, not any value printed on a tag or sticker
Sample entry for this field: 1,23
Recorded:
8,26
